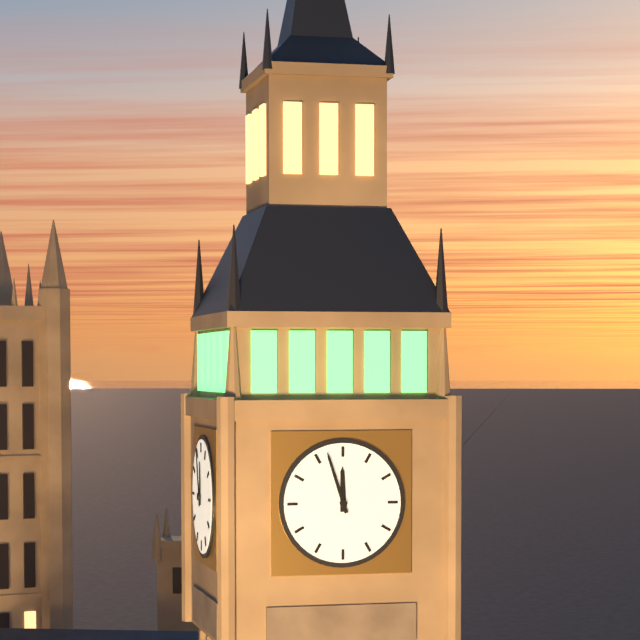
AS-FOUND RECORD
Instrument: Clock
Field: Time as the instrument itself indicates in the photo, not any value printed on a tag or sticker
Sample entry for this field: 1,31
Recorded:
11,57
